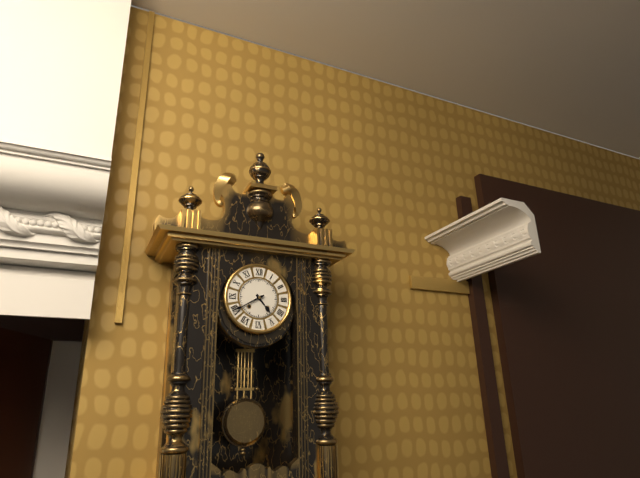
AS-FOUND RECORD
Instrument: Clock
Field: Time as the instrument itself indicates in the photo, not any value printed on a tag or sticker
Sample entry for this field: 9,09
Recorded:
4,40
